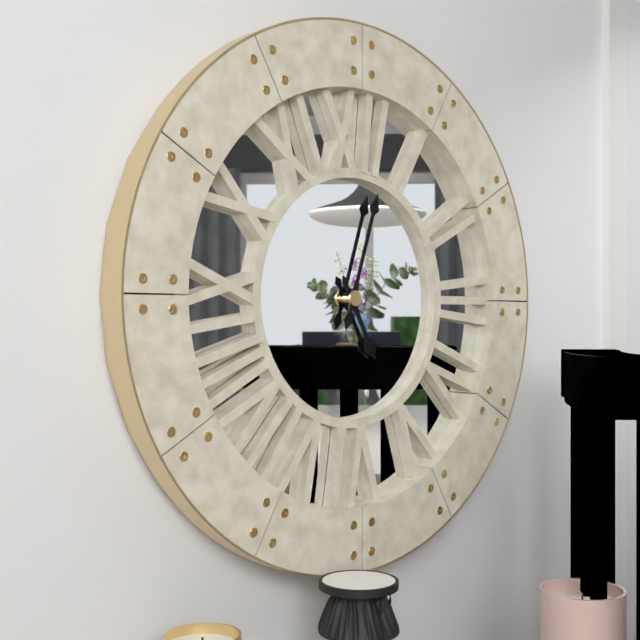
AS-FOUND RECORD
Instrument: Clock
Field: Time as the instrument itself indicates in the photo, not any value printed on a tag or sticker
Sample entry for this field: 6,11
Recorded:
5,03
